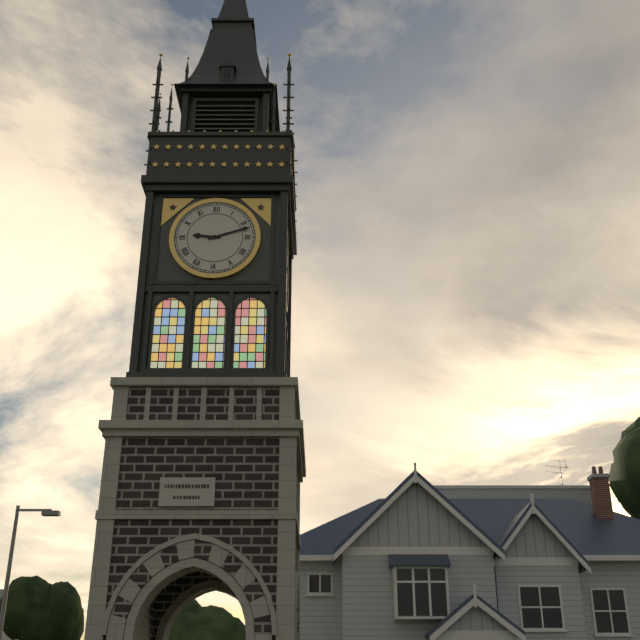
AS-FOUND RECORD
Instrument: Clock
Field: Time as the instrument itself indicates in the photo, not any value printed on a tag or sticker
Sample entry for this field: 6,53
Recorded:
9,12
